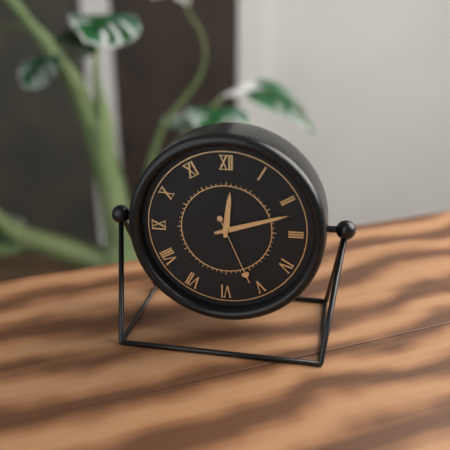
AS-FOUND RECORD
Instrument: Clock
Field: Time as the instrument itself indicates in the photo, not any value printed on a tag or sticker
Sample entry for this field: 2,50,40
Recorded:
12,12,26
